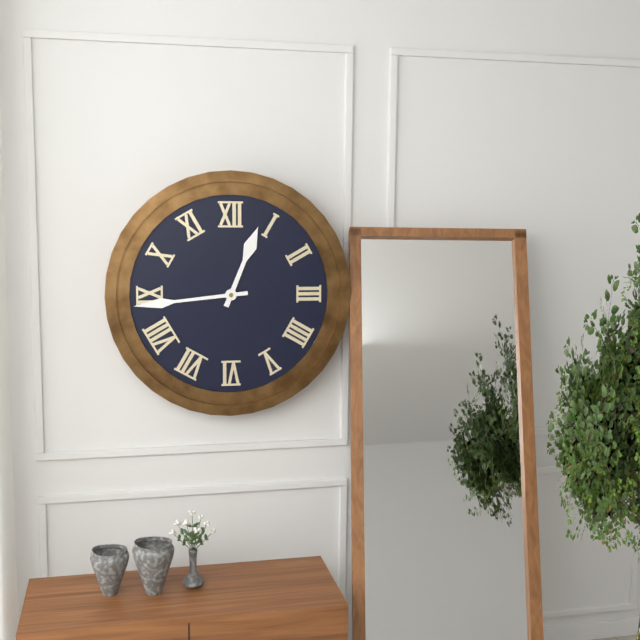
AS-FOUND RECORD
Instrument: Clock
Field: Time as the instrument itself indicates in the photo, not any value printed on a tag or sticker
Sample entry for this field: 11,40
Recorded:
12,44
